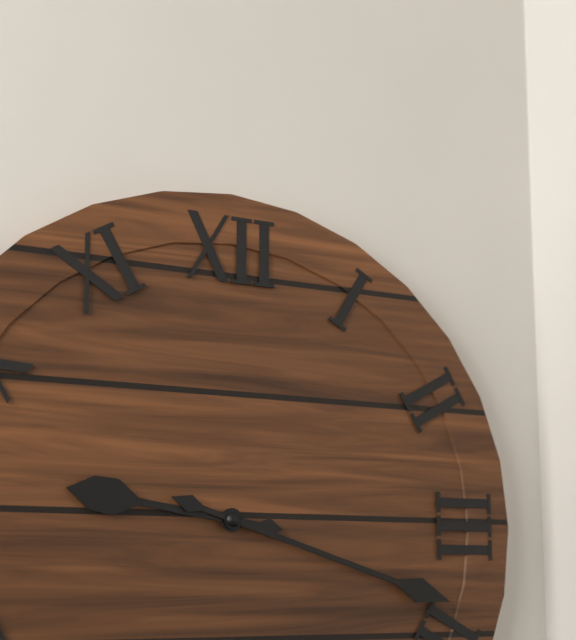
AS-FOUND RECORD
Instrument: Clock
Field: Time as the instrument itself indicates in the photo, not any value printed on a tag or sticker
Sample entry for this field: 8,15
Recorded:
9,18
